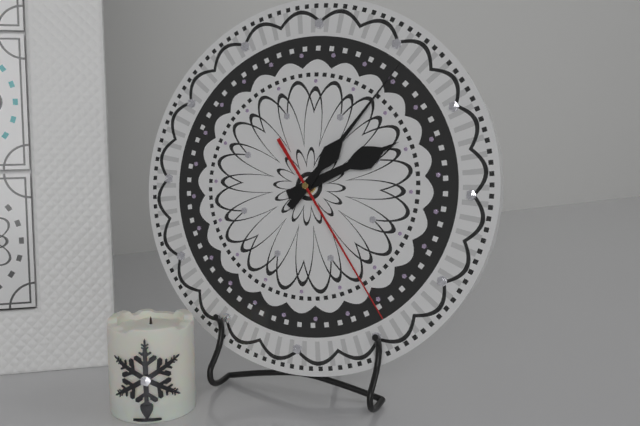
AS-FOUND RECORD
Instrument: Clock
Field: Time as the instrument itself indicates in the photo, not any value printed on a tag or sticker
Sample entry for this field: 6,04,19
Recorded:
2,06,24
